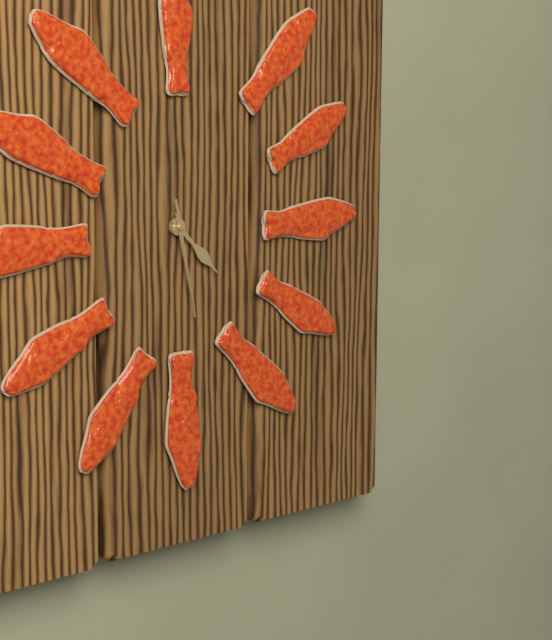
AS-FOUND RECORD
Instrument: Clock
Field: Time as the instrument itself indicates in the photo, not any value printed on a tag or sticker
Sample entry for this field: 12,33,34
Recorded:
4,28,28
